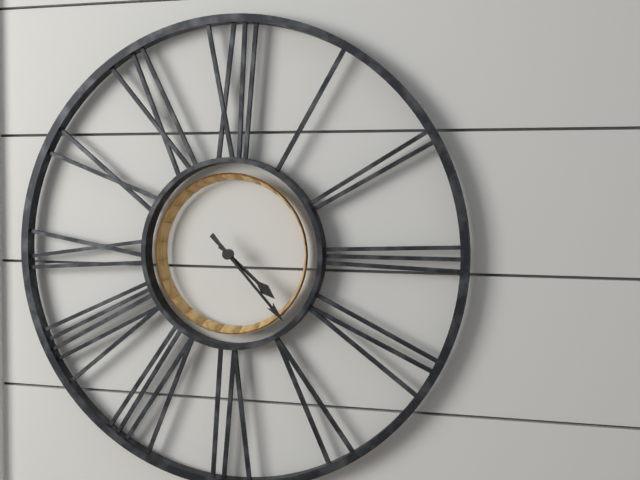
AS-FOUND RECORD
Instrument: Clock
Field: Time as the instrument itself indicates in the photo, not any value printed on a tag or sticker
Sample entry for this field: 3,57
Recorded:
4,23
